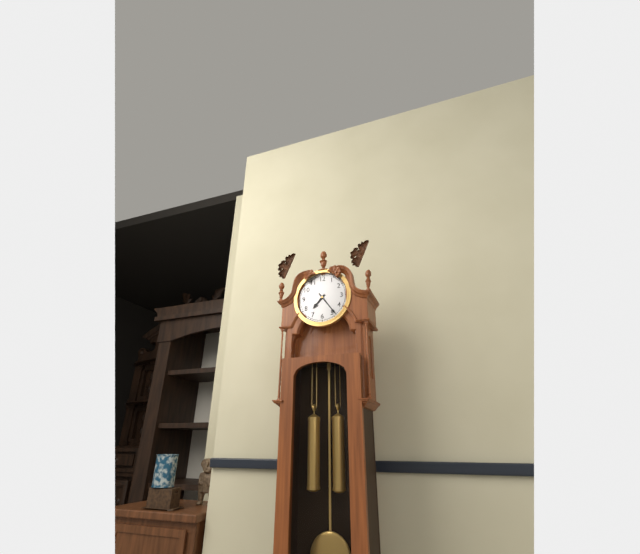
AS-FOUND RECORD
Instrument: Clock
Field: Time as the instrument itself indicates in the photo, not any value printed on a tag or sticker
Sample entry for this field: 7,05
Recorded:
7,24
